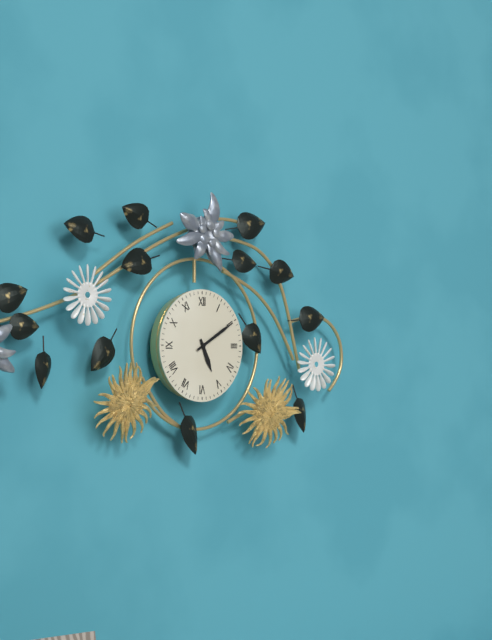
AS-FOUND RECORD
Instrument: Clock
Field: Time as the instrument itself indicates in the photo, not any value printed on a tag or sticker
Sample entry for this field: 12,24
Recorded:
5,10
